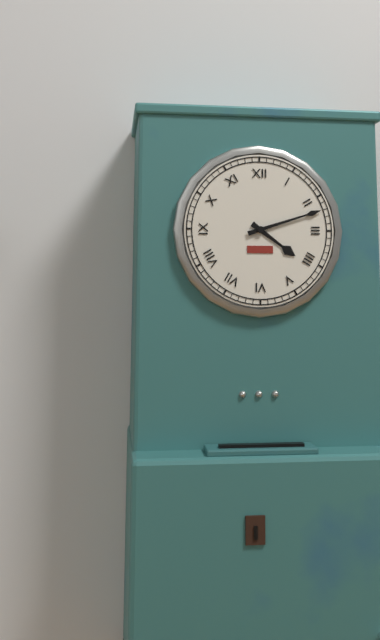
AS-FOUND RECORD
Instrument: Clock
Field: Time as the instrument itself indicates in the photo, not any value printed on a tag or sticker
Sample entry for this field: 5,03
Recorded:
4,12
